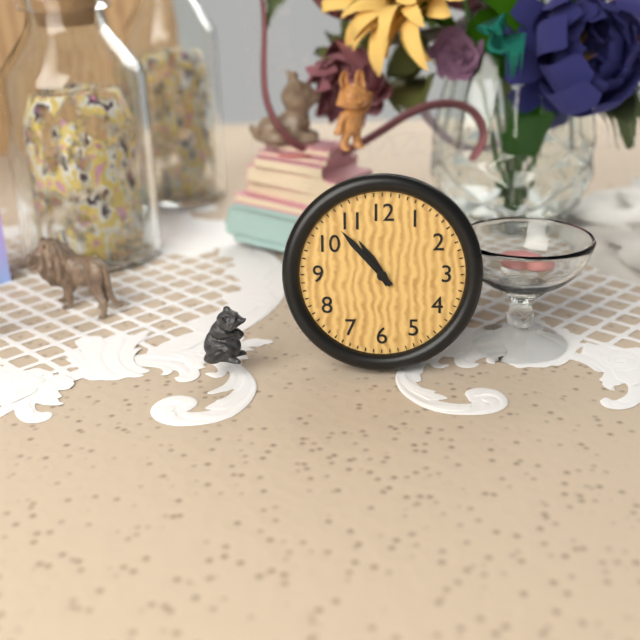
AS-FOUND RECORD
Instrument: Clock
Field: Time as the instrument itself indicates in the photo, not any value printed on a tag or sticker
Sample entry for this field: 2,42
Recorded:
10,53
